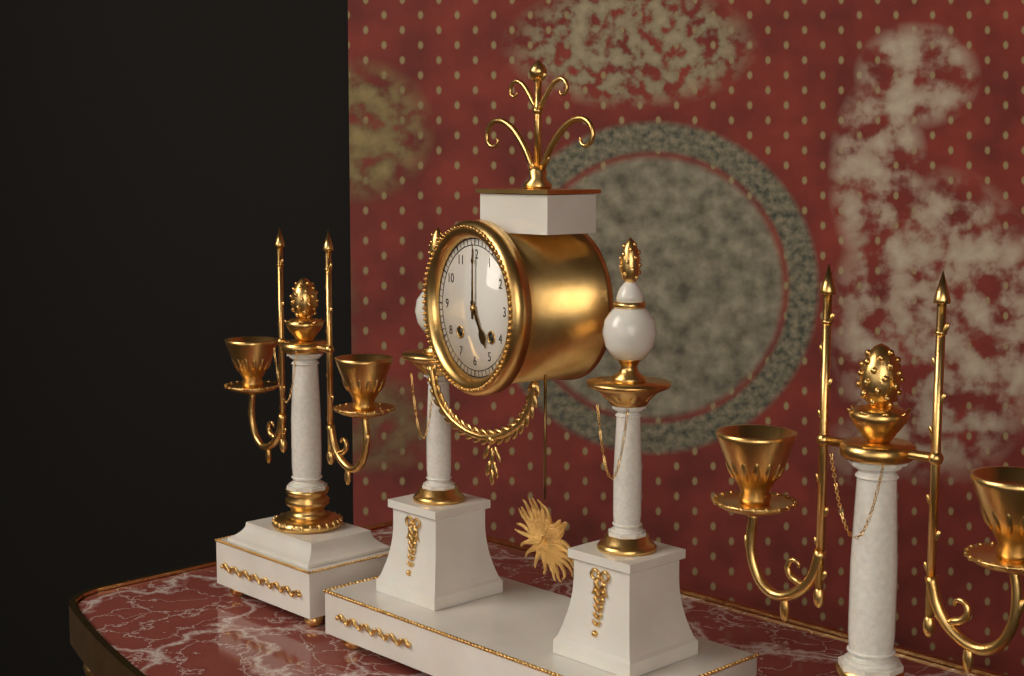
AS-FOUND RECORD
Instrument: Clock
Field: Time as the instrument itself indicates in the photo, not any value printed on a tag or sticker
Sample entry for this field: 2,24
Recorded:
5,00
